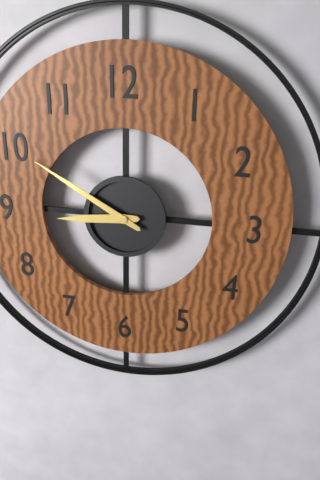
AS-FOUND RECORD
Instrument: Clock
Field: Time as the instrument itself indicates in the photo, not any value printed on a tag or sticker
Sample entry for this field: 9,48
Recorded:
8,50
